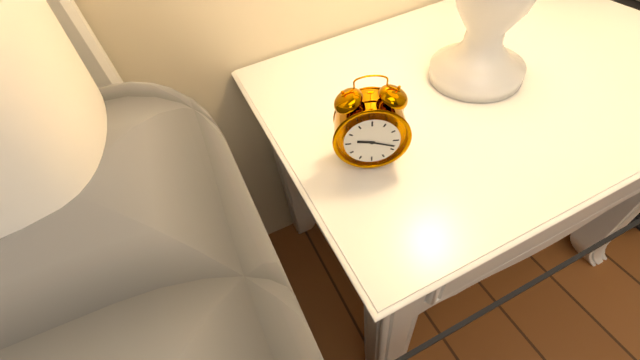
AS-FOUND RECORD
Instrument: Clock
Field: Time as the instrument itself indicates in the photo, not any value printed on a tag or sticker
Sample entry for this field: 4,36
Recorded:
9,18
